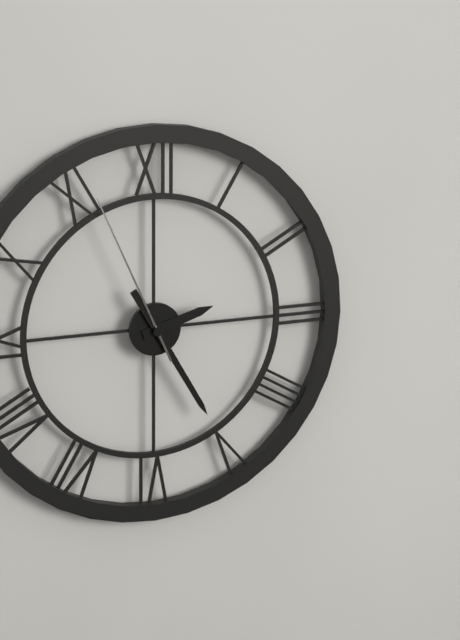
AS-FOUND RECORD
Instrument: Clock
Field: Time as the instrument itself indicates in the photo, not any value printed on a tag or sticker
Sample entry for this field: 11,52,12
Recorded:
2,25,56
